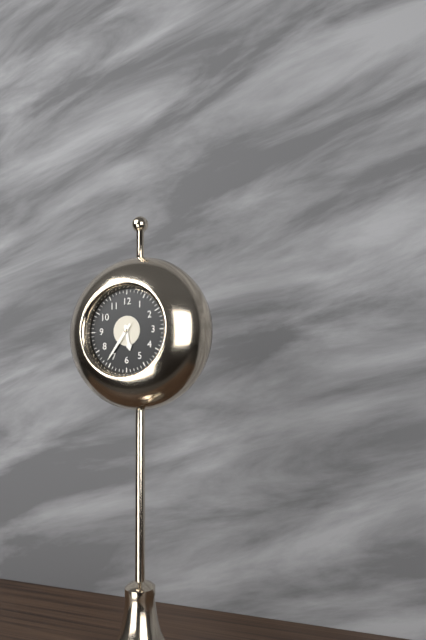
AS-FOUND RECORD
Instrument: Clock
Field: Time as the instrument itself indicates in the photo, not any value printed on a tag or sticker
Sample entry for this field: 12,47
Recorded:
5,36
